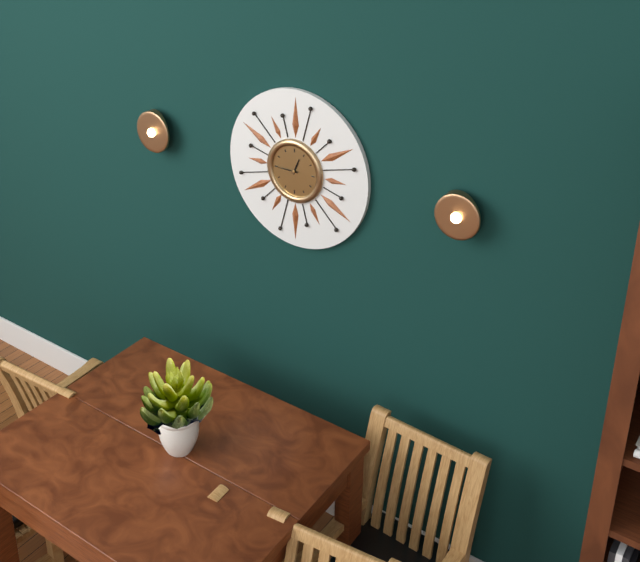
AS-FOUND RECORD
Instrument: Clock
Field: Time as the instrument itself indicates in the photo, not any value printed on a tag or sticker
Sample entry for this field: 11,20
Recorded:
12,45
